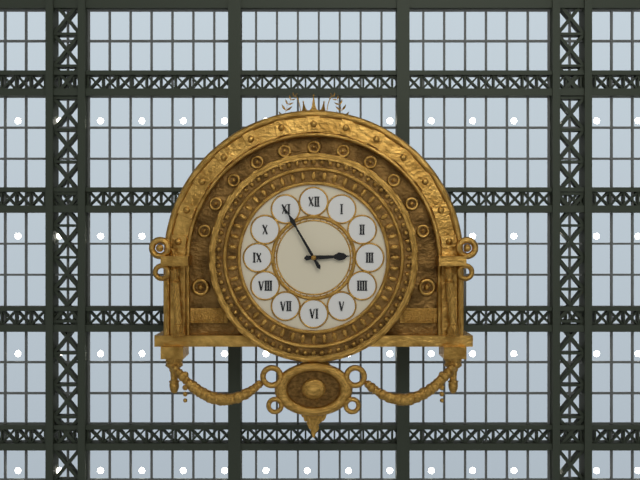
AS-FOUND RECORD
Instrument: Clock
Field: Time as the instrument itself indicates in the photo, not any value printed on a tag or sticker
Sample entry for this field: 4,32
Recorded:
2,55
